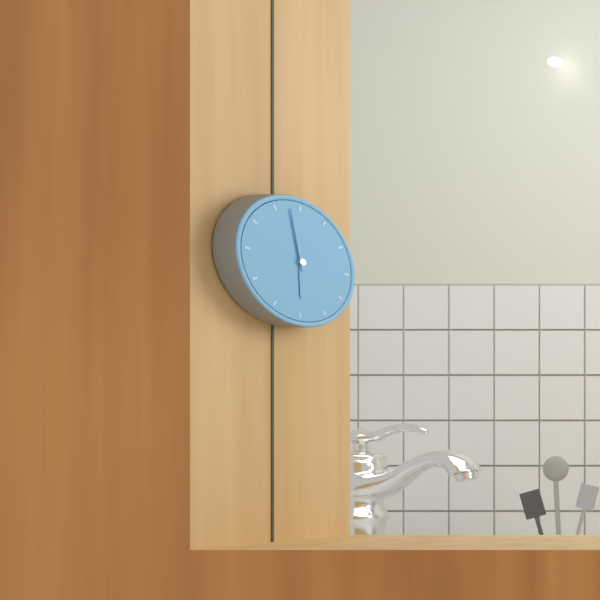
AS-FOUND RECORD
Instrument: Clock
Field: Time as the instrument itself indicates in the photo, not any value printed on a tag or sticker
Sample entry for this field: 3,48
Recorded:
5,58
